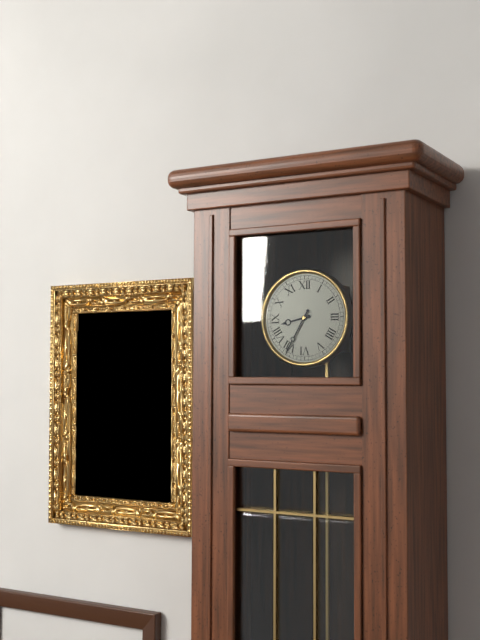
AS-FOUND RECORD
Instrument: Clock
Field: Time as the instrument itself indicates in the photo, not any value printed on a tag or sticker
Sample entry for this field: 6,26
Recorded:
8,35
